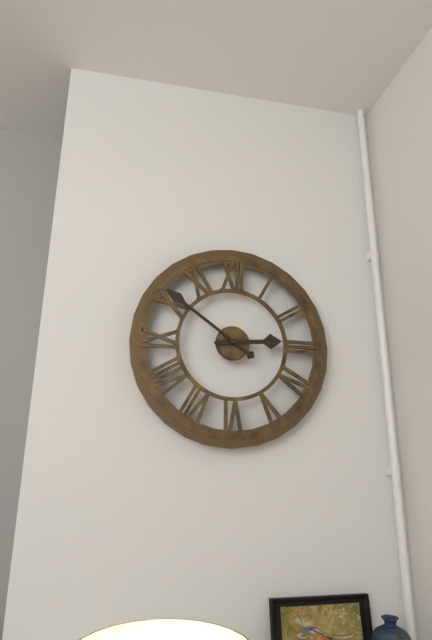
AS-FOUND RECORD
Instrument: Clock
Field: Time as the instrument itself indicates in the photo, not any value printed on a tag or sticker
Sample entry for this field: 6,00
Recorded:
2,51
